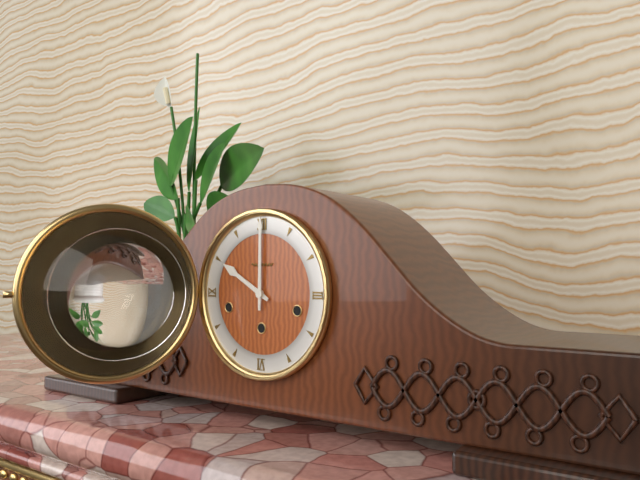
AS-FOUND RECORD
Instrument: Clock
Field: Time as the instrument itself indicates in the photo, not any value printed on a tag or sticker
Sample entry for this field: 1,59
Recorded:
10,00
